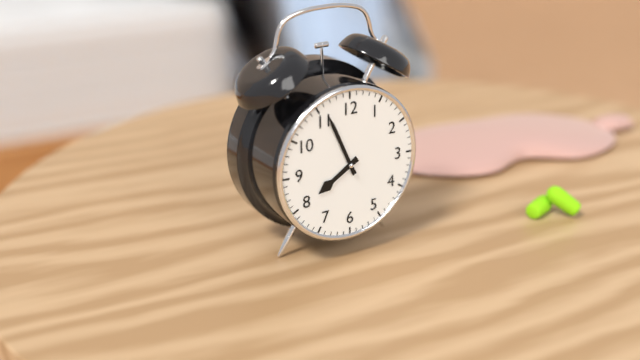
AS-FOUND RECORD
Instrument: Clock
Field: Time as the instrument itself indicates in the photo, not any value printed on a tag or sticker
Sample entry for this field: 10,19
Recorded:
7,56
